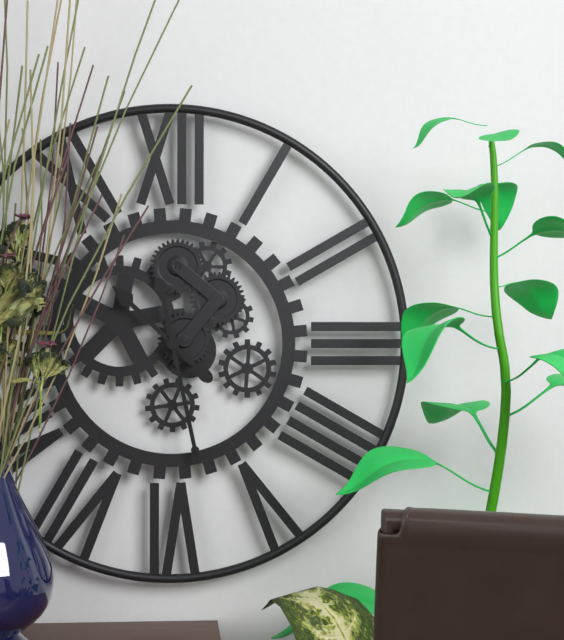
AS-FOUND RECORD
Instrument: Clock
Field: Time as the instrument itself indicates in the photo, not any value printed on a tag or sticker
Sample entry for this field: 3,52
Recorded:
10,28
